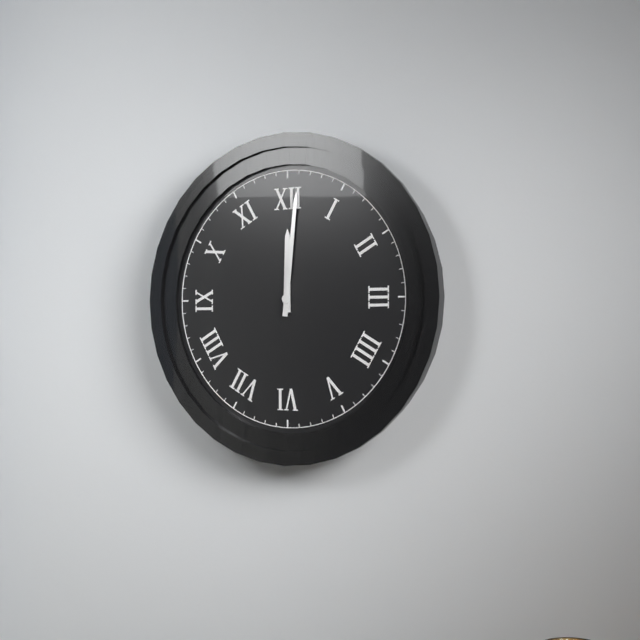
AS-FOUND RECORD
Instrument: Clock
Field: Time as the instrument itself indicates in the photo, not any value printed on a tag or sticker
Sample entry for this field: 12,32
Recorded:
12,01
